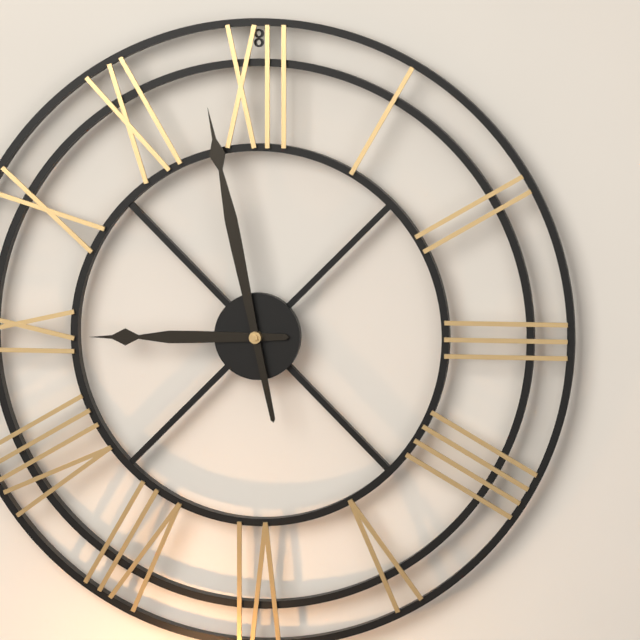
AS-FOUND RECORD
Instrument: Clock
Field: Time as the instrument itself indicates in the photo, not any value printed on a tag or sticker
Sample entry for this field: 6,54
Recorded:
8,58
